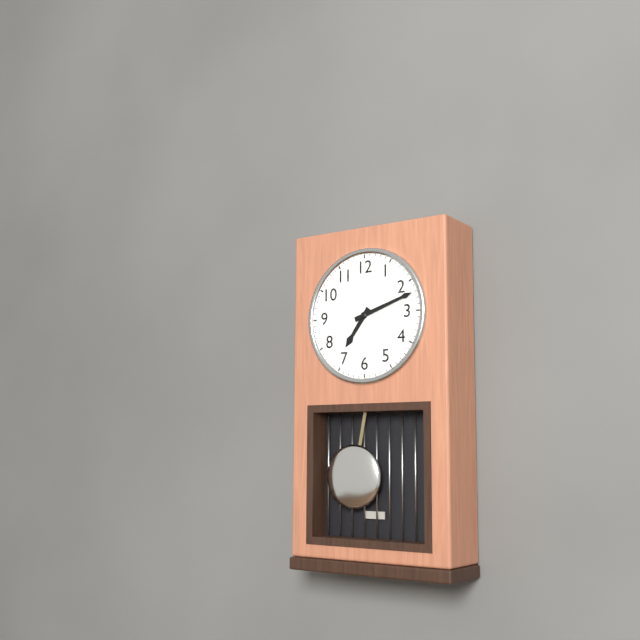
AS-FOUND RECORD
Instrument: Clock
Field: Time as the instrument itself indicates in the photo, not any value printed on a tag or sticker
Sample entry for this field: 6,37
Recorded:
7,12
